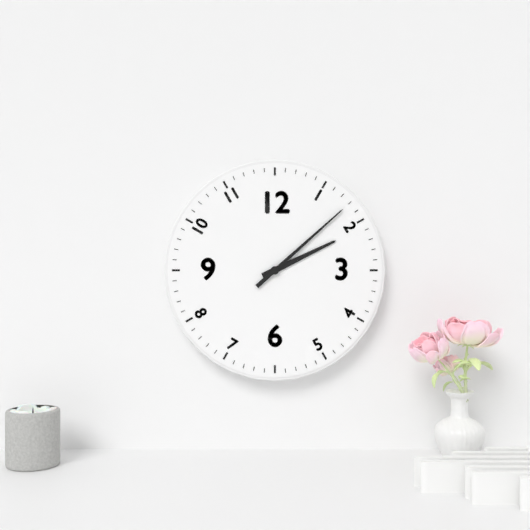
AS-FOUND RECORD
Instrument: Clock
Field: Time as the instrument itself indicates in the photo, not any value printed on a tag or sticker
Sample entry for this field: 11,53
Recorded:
2,08
